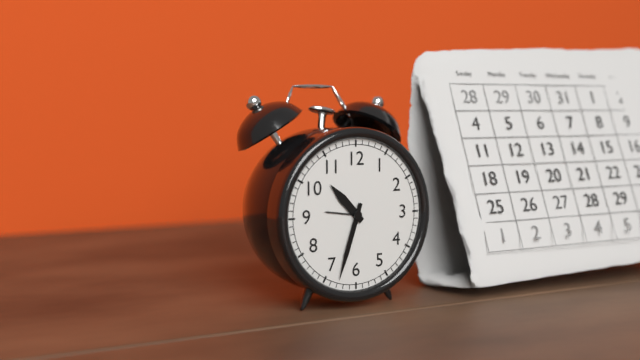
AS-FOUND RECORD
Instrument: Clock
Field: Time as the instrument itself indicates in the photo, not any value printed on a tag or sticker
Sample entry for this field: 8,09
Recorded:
10,33
